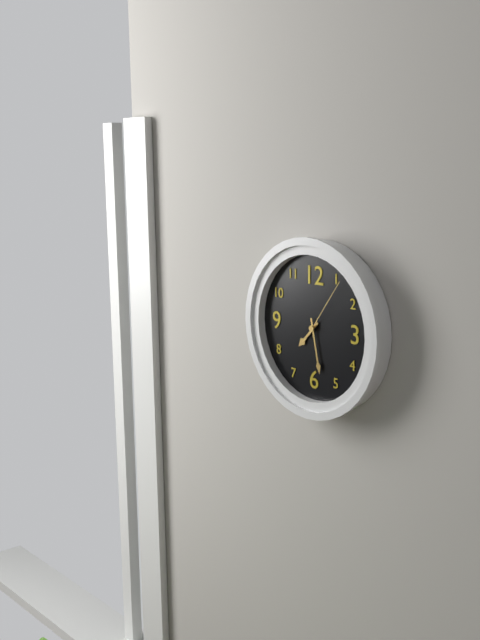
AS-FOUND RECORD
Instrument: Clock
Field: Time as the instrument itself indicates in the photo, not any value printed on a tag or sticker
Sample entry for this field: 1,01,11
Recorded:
7,28,06
